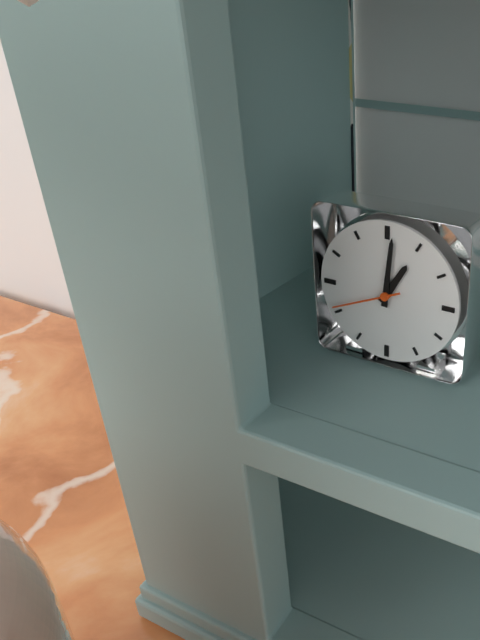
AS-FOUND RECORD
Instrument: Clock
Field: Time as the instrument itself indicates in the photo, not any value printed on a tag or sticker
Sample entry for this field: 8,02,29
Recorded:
1,01,41
